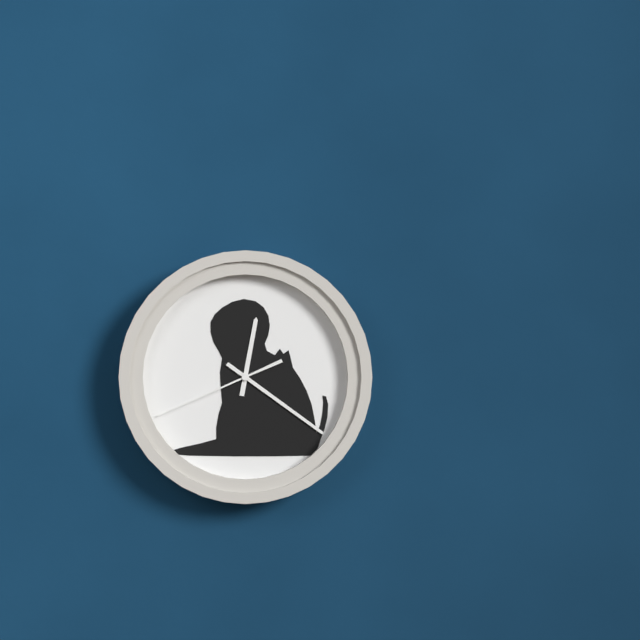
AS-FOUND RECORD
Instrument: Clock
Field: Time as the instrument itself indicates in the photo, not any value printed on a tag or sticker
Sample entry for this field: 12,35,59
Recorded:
12,21,41
